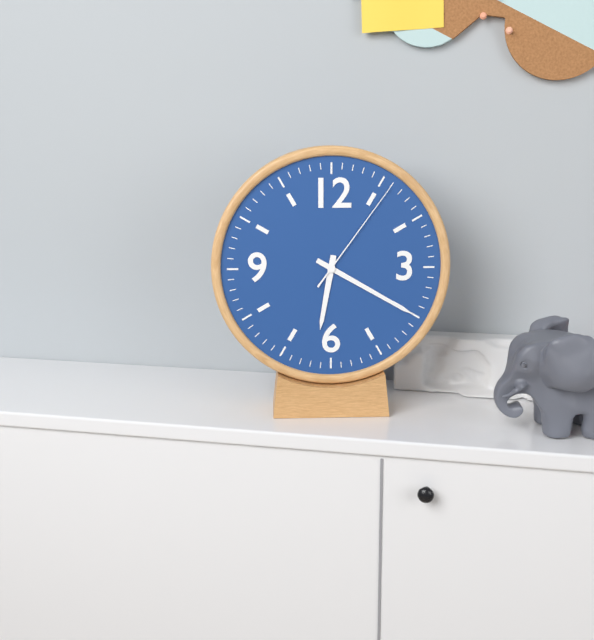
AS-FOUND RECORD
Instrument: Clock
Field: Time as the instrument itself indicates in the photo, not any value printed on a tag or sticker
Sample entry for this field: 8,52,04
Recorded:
6,20,06
